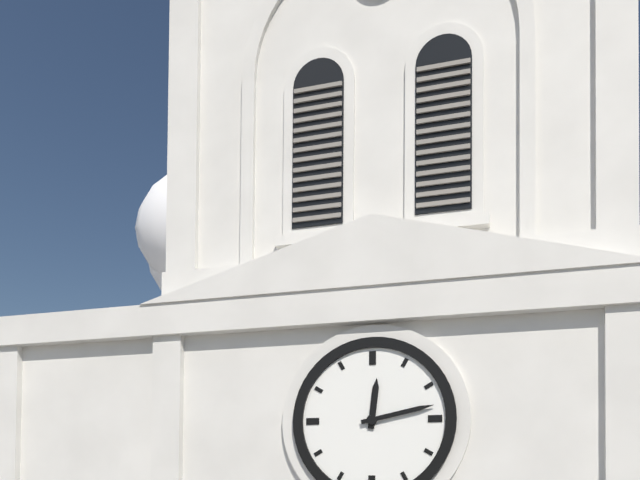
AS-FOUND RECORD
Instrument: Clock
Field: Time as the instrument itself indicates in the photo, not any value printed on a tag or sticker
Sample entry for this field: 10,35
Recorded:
12,13
